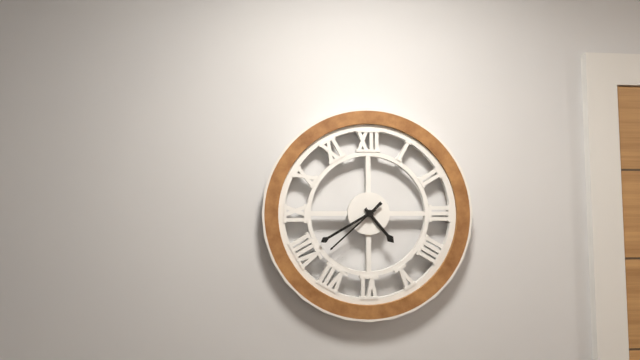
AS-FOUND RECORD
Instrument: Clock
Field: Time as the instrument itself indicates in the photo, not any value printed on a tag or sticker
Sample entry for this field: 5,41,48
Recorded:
4,40,38
